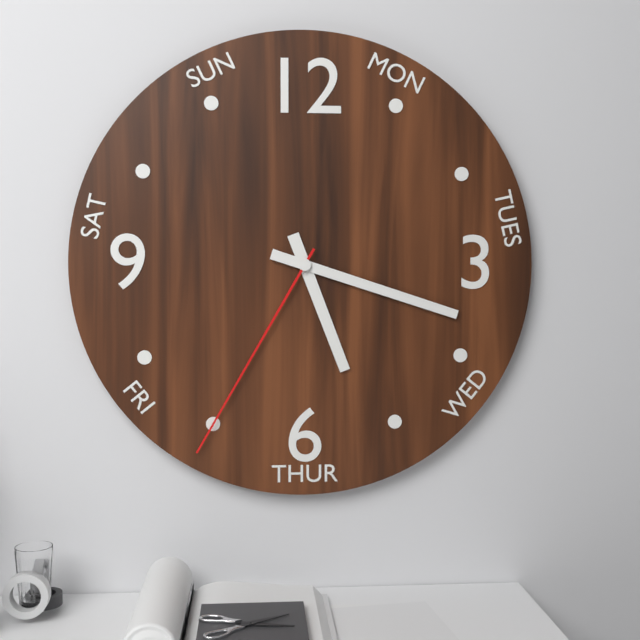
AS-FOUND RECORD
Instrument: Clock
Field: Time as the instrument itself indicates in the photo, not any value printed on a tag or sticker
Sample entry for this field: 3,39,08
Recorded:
5,18,35
